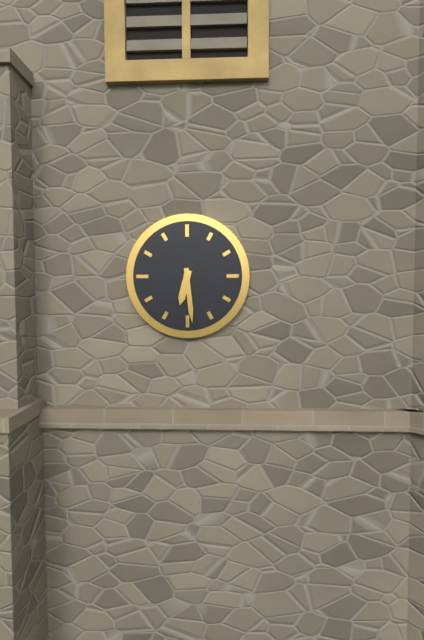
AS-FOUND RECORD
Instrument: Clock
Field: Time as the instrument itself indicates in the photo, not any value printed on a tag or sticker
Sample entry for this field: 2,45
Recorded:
6,29
